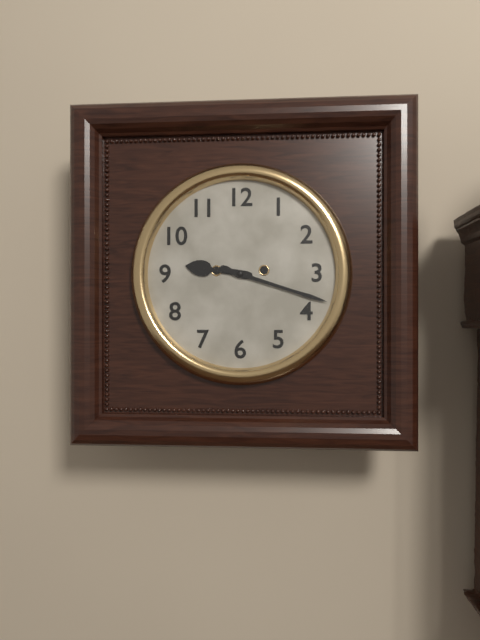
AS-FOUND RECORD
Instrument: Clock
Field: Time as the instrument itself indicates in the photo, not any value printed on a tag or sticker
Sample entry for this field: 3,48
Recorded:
9,18
